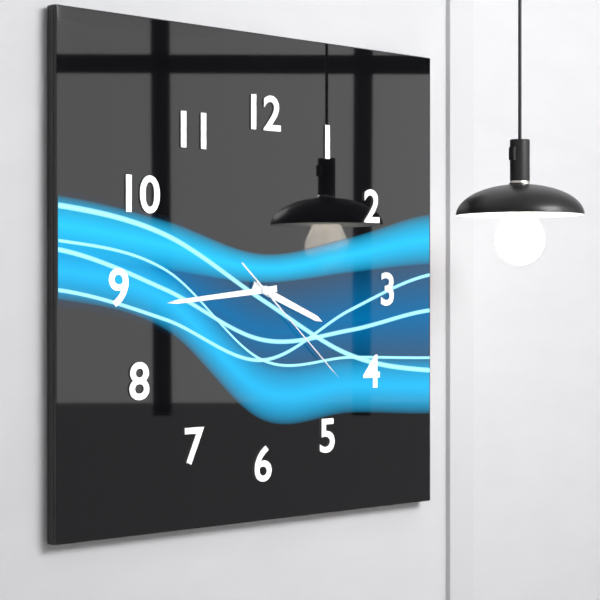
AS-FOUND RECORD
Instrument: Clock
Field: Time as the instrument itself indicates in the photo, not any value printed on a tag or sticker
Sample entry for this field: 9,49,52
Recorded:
3,44,22
